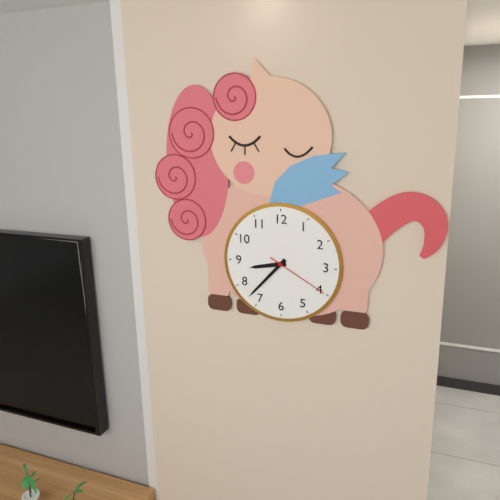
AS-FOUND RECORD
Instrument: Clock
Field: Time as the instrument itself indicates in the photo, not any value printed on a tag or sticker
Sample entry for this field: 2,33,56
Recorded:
8,37,20
